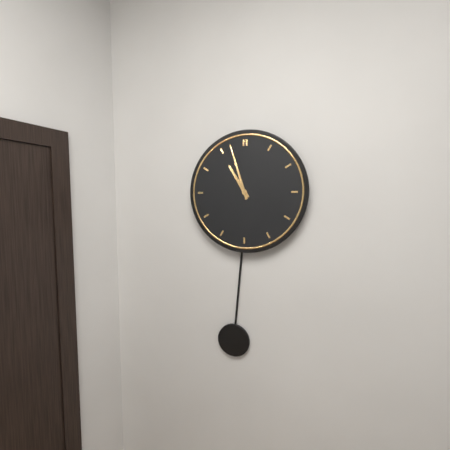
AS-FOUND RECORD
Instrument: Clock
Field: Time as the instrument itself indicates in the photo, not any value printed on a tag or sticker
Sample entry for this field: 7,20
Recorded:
10,57
